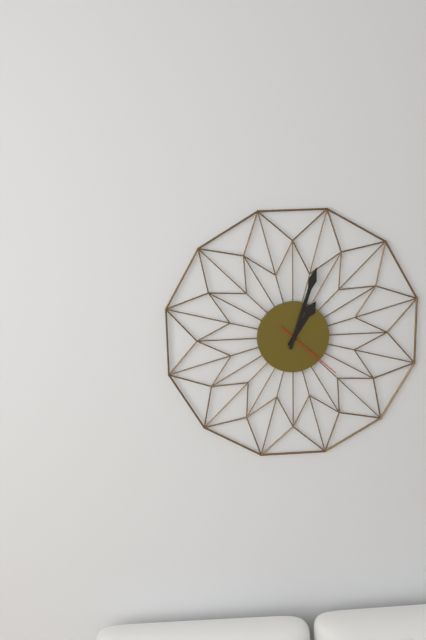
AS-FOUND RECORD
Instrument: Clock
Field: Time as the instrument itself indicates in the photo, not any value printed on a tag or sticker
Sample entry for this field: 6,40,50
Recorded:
1,03,22
